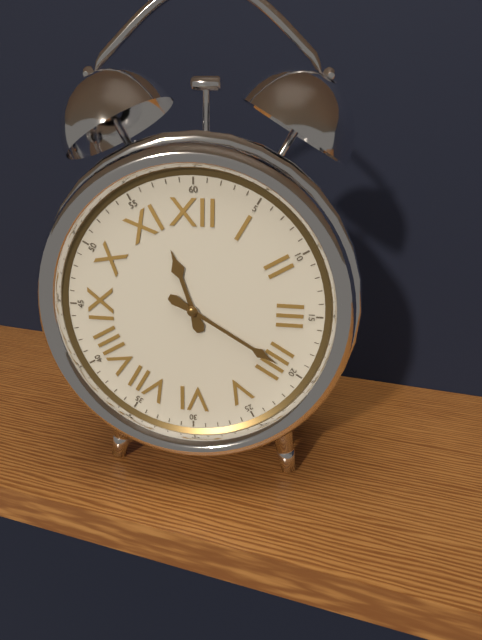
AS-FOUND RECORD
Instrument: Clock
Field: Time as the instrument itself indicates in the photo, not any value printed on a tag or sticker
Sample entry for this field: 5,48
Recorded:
11,20
